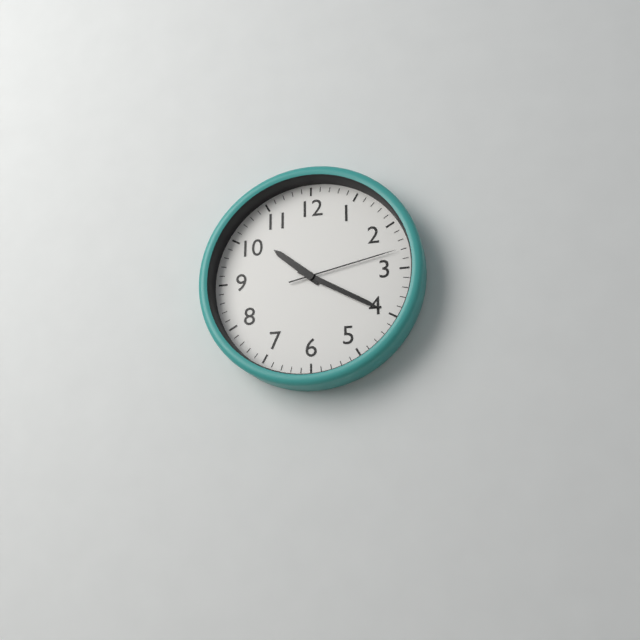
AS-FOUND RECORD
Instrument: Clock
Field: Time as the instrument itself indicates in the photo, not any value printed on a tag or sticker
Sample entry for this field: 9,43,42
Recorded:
10,20,13
